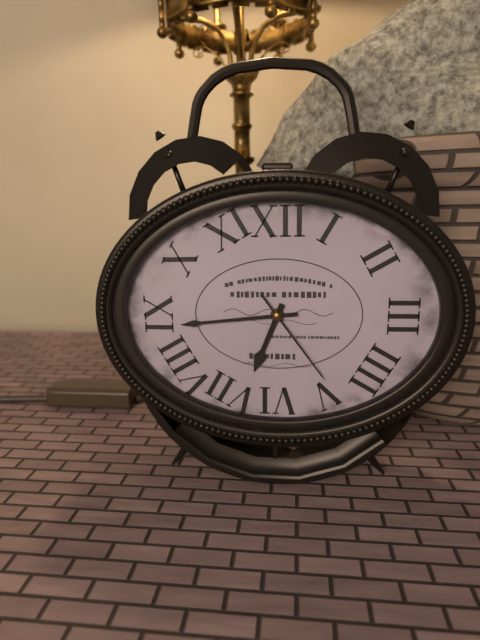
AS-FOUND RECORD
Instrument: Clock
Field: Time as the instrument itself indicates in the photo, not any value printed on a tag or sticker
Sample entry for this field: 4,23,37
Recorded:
6,44,24
